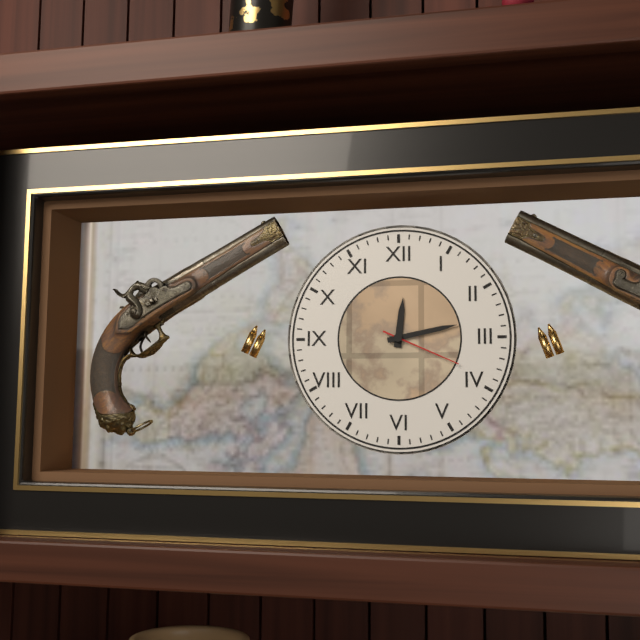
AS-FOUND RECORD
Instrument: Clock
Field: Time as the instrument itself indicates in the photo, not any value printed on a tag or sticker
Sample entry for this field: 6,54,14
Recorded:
12,13,19
